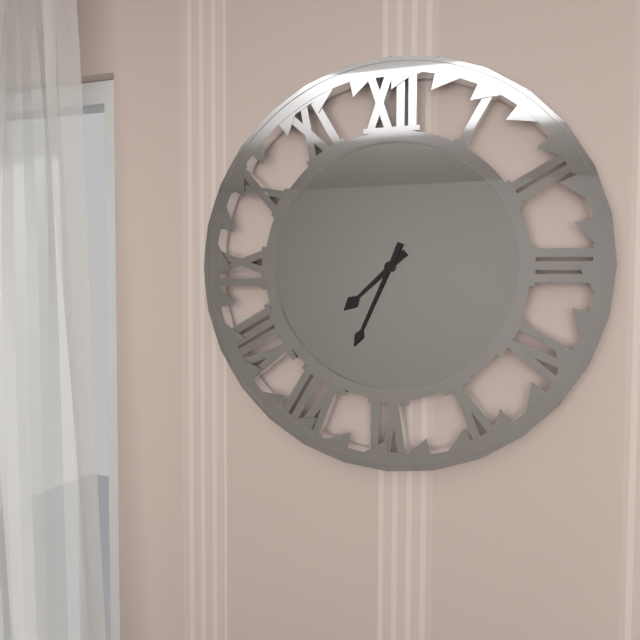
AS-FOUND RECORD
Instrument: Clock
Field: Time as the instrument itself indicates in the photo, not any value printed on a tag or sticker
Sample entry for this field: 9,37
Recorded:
7,34
